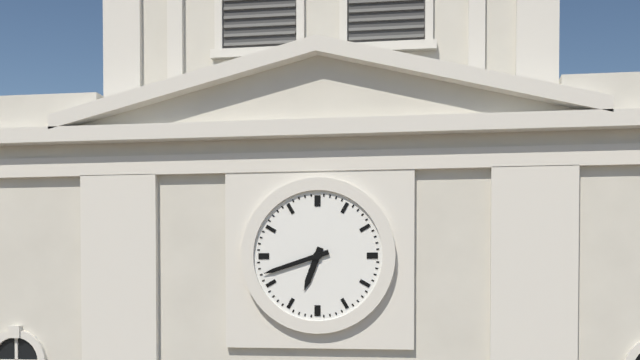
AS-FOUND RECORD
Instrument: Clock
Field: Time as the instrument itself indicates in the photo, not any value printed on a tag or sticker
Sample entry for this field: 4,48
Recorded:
6,42
